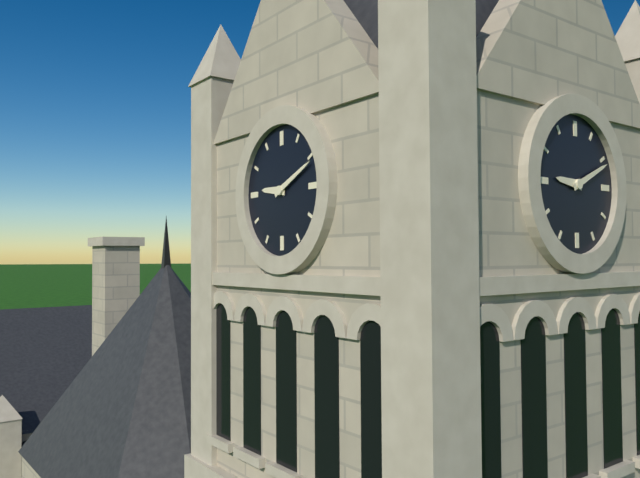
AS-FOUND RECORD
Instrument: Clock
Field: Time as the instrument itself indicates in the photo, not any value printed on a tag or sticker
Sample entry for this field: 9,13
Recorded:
9,11
